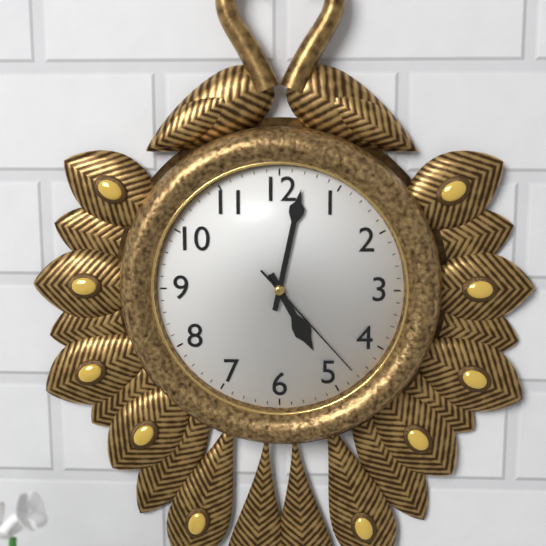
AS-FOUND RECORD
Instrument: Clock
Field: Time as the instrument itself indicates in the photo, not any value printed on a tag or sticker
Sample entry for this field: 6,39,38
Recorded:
5,02,23
